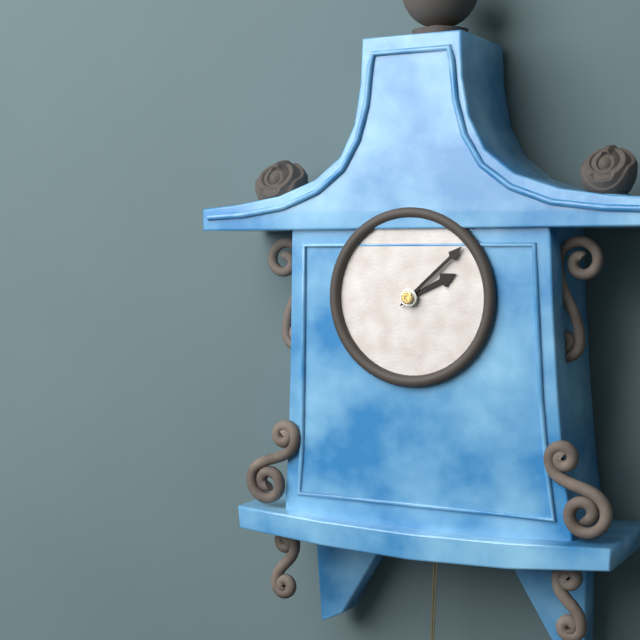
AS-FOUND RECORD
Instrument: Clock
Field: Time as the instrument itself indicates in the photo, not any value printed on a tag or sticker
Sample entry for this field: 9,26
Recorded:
2,08
